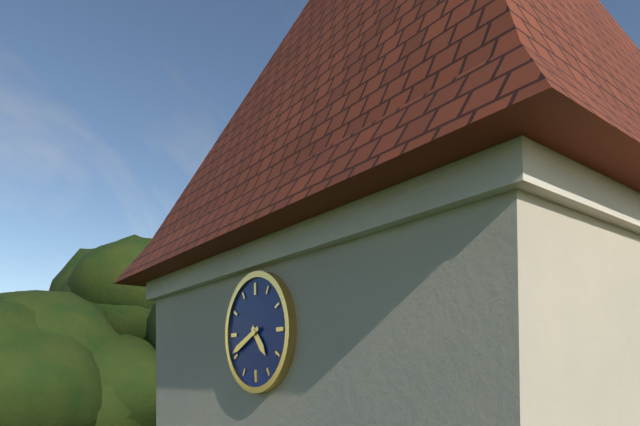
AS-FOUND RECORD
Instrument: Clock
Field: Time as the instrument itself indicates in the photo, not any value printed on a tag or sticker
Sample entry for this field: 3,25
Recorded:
4,41
